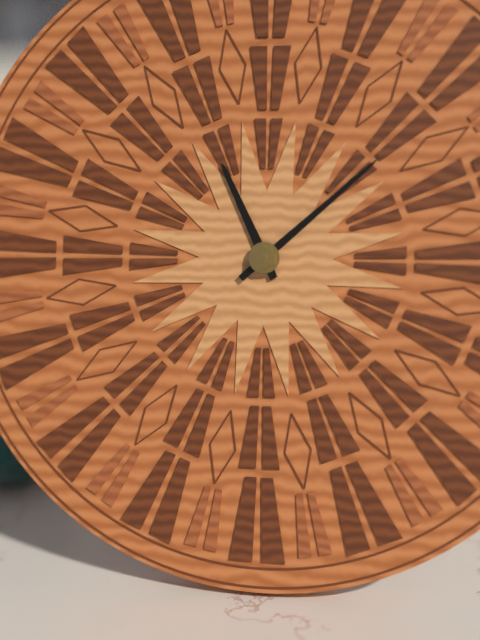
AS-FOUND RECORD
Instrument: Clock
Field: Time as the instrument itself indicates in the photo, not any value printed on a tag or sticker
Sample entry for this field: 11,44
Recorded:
11,08
